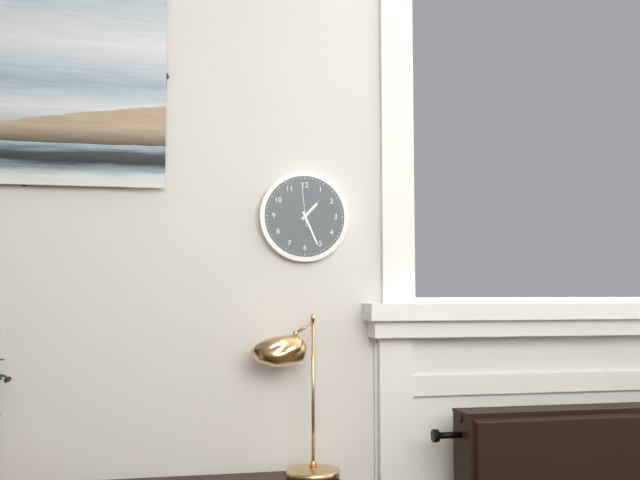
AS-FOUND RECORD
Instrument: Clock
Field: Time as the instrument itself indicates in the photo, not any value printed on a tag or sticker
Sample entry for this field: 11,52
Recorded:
1,26
